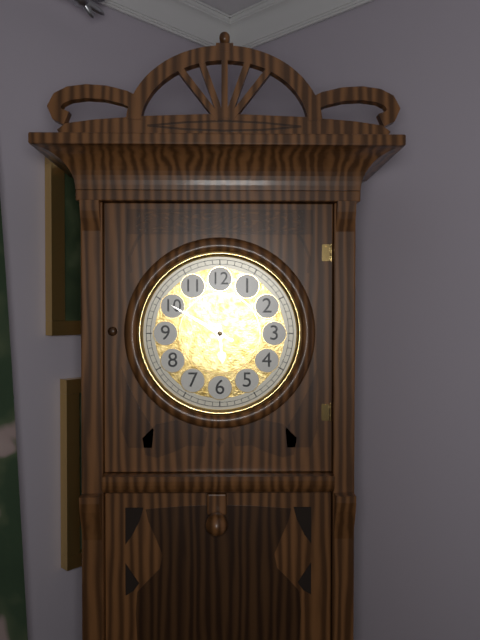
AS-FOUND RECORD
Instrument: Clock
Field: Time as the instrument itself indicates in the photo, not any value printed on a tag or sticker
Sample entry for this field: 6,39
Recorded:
5,50
